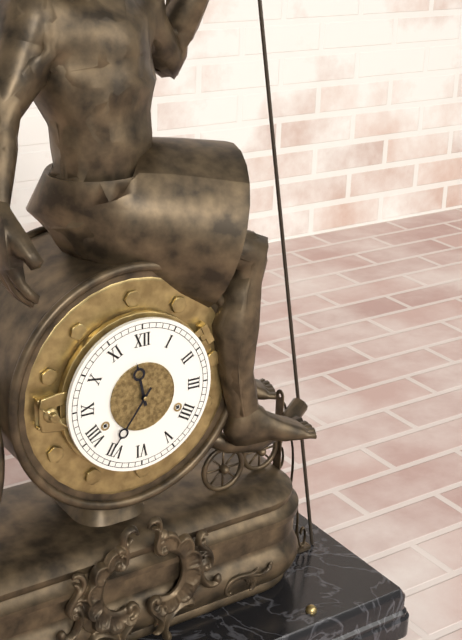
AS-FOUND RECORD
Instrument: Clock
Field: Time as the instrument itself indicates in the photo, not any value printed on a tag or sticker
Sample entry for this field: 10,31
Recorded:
11,36
